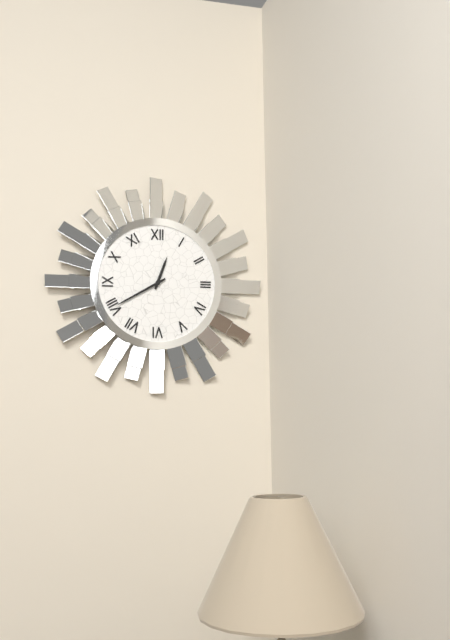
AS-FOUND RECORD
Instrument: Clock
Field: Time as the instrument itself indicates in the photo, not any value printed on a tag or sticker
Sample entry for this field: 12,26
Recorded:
12,40
